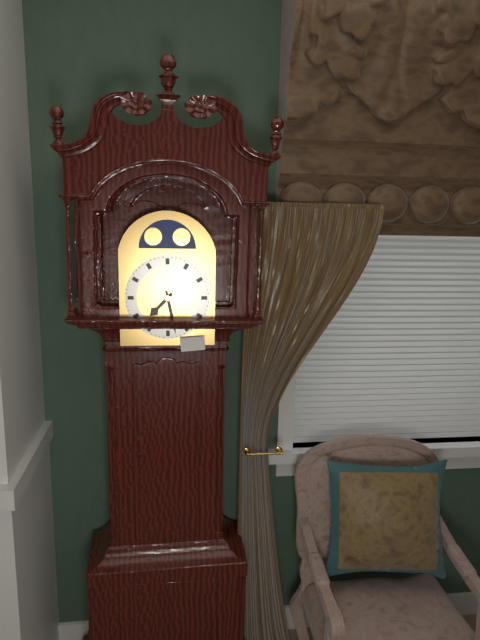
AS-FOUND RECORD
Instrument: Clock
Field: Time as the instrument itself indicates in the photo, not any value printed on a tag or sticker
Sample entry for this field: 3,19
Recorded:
7,28
